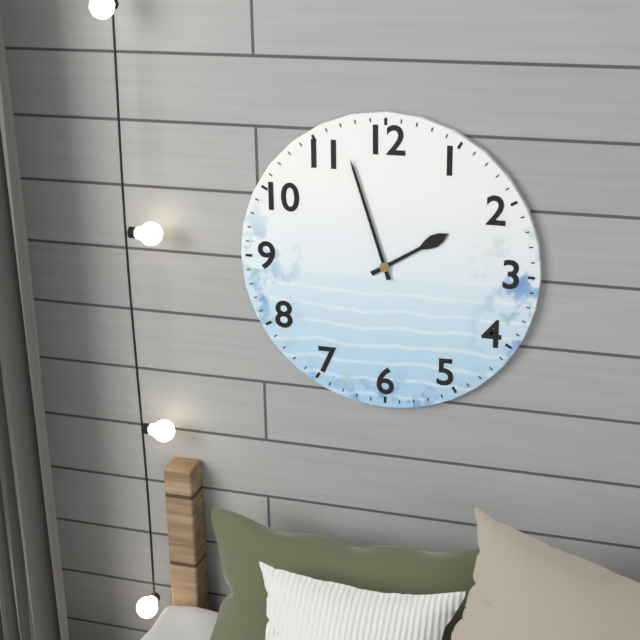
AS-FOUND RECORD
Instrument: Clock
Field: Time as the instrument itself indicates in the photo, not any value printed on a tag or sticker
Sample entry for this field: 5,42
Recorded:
1,57
